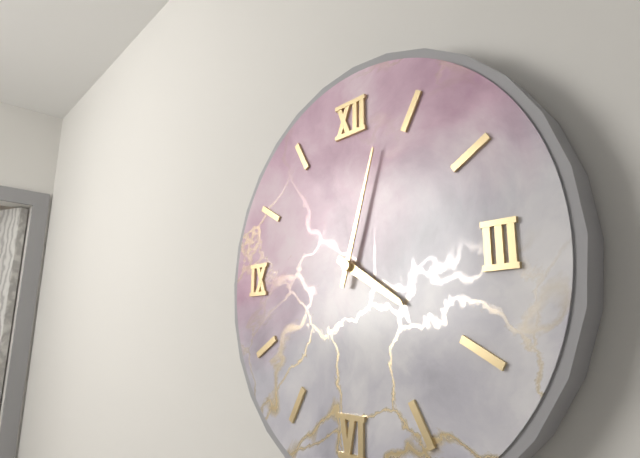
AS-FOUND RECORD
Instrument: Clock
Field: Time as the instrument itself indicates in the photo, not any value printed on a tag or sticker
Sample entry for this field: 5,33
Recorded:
4,03
